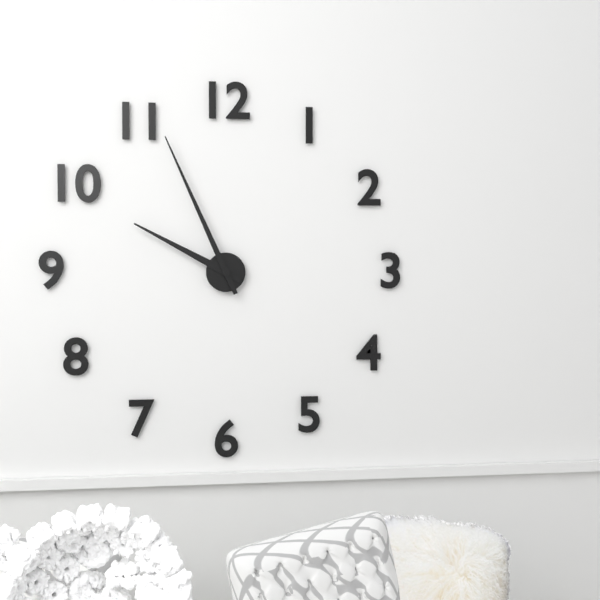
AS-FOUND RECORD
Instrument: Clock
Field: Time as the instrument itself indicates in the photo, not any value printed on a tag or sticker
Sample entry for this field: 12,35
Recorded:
9,56
